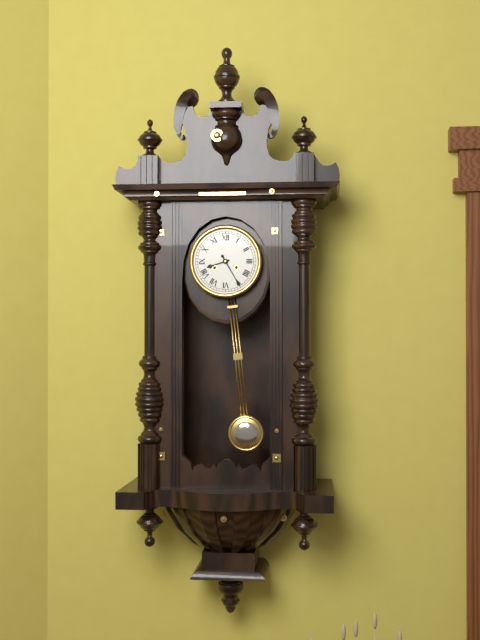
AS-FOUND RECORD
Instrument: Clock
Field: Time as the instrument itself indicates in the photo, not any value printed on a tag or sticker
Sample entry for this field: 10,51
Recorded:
8,25
